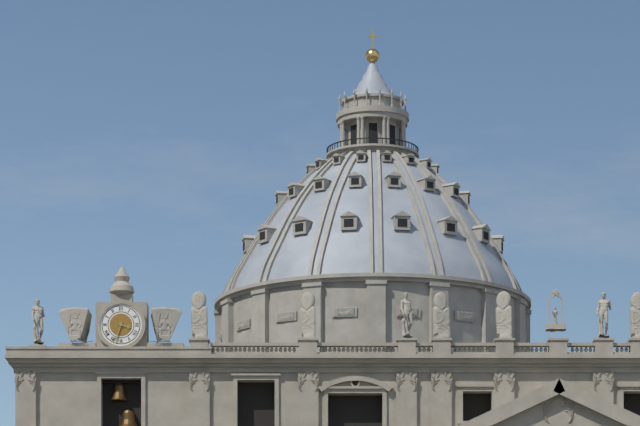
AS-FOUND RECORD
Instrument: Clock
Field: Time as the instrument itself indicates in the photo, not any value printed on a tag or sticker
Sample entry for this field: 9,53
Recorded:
3,33
